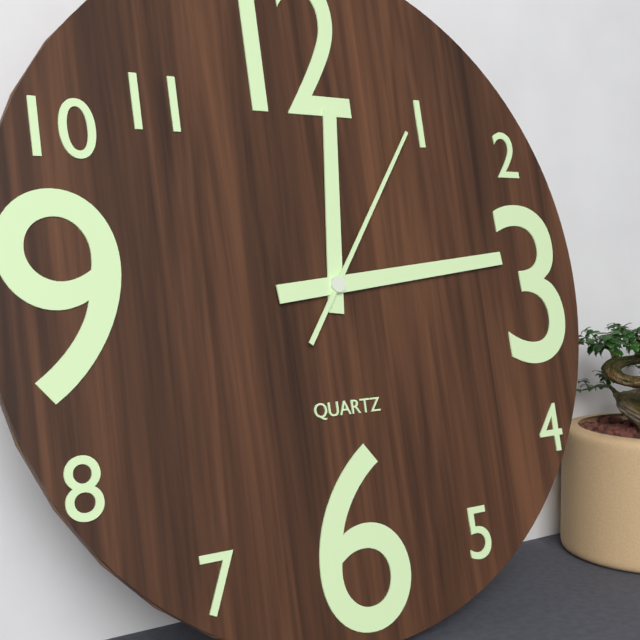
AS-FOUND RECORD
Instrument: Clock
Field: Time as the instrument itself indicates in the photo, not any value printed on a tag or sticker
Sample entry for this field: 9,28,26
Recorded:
12,14,06
